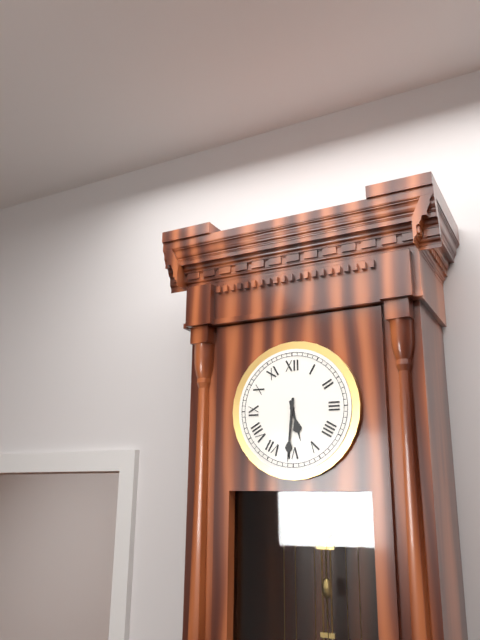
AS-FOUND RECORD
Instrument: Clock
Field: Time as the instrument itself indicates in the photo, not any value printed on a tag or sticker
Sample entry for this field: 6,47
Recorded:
5,31
